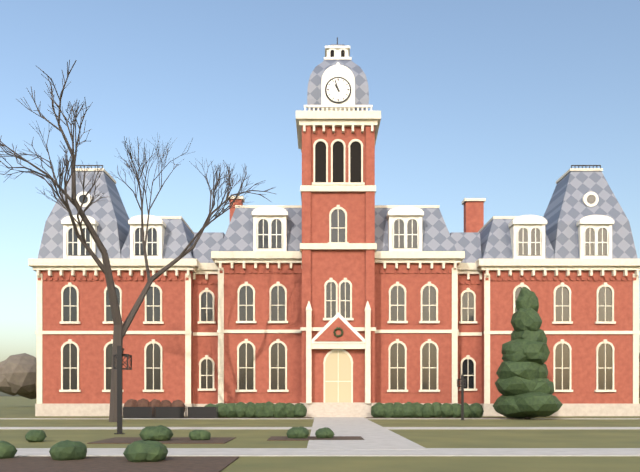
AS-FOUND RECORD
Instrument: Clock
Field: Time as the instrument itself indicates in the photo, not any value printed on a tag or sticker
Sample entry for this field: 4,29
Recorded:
10,57
